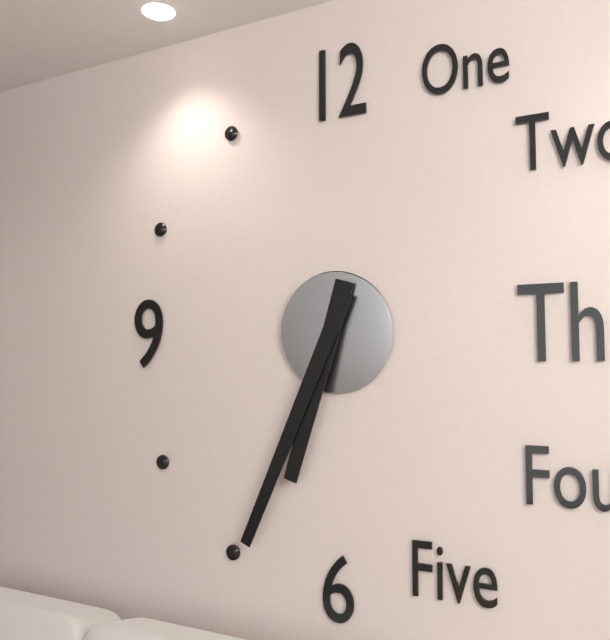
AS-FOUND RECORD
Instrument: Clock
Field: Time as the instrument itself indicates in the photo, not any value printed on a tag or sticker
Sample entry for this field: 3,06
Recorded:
6,34
